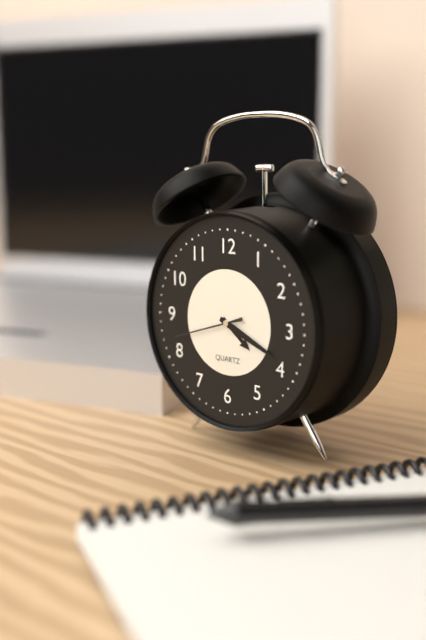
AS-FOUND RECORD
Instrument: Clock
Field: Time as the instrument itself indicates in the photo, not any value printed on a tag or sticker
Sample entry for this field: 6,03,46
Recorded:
4,19,42
